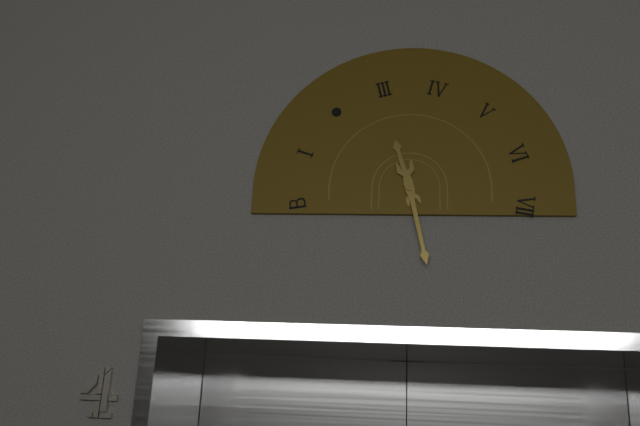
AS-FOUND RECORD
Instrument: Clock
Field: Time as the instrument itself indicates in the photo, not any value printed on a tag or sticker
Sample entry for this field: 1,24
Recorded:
11,28
